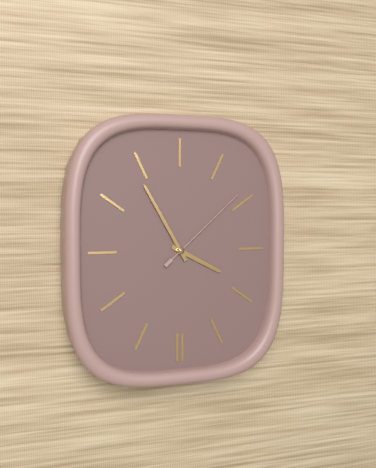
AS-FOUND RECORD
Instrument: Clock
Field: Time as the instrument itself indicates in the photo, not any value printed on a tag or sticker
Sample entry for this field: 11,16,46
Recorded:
3,55,08
